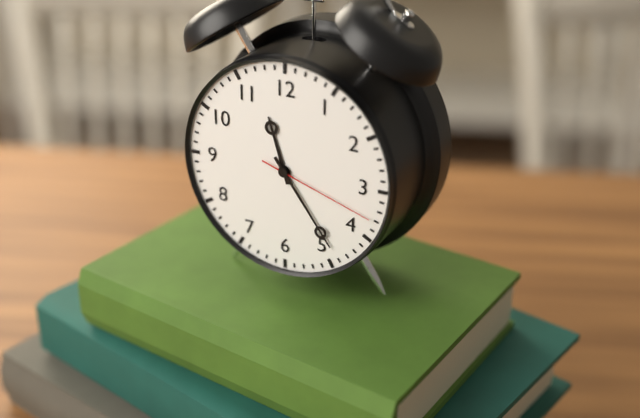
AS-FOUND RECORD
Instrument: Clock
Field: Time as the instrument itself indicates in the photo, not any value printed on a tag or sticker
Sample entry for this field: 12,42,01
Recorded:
11,24,18
